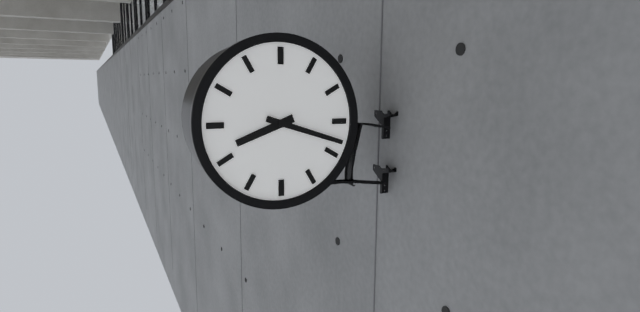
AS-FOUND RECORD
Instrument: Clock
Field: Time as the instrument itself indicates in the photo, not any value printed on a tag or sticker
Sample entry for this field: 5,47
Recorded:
8,18
